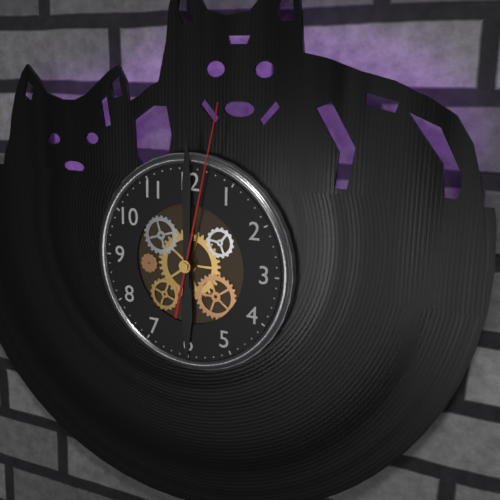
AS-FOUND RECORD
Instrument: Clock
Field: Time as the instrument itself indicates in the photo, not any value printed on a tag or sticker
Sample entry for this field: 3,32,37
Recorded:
6,00,02
